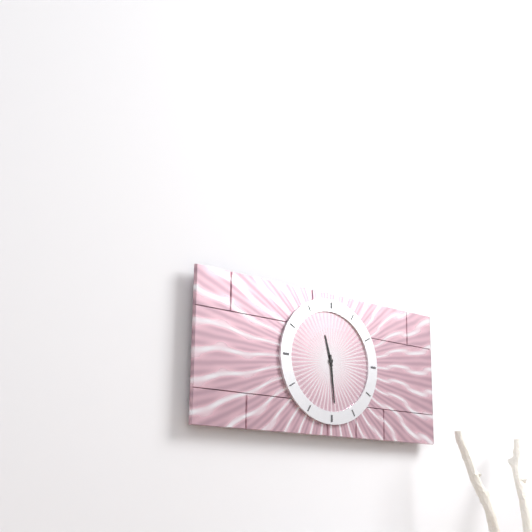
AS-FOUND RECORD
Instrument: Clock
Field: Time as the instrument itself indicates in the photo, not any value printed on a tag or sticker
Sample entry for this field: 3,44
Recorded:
11,29
